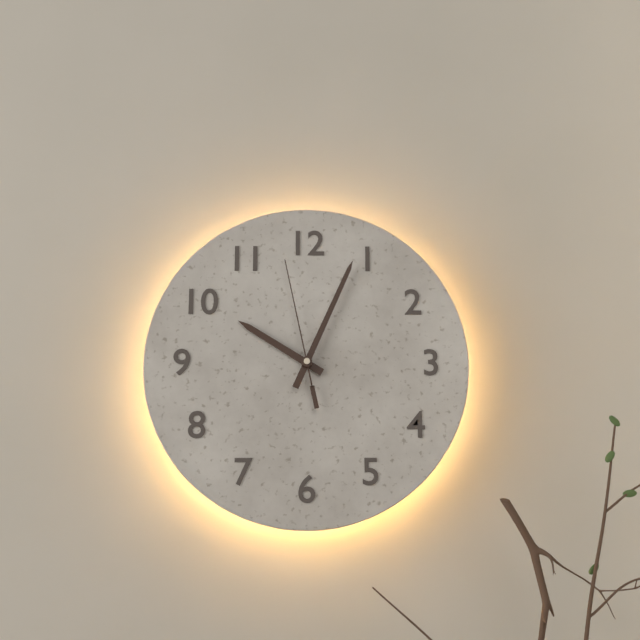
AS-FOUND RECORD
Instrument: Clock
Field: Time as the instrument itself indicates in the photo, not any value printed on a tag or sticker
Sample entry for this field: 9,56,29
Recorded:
10,04,58
